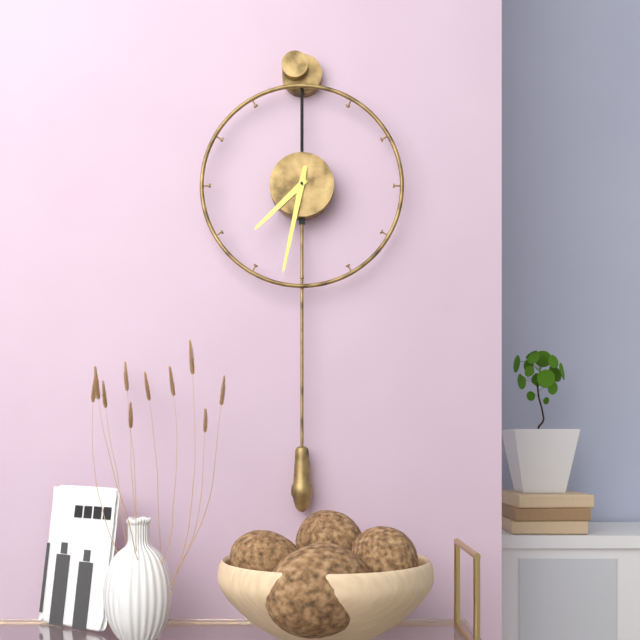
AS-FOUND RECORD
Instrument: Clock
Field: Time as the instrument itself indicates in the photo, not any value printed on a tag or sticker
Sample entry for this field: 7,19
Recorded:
7,32
